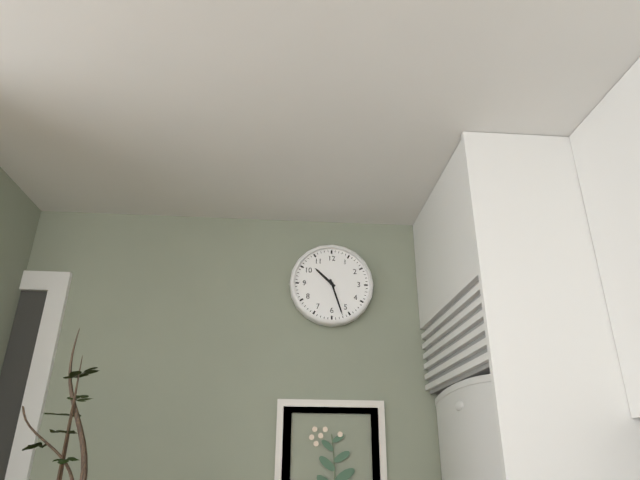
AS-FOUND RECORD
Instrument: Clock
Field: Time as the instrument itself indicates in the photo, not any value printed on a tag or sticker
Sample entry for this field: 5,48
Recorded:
10,27
